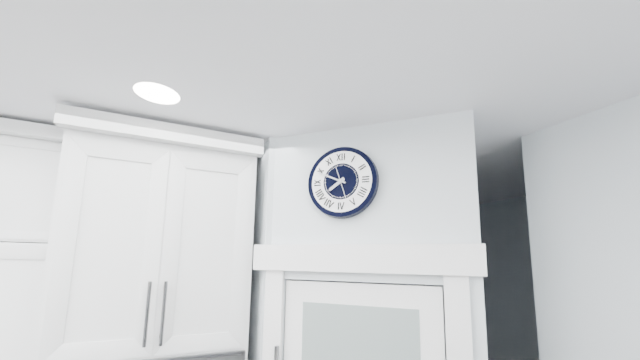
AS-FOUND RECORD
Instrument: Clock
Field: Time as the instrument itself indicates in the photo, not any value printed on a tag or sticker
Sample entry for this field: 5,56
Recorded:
7,49
